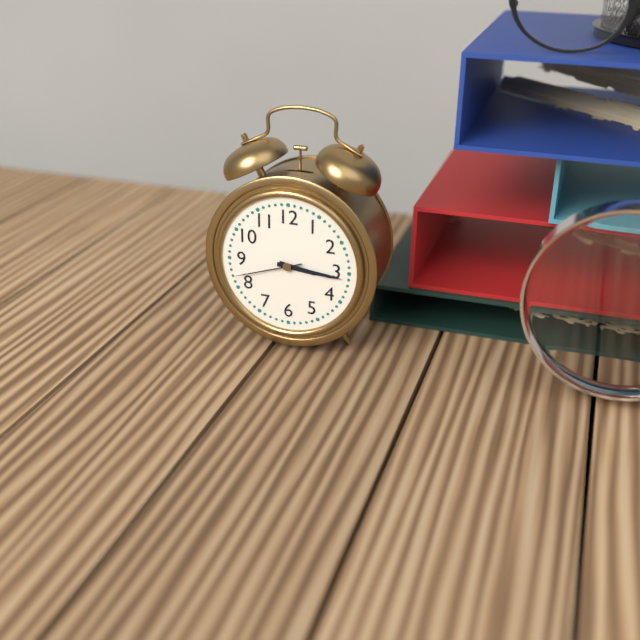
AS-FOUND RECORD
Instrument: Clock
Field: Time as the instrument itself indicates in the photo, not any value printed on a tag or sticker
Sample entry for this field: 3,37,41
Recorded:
3,16,42
